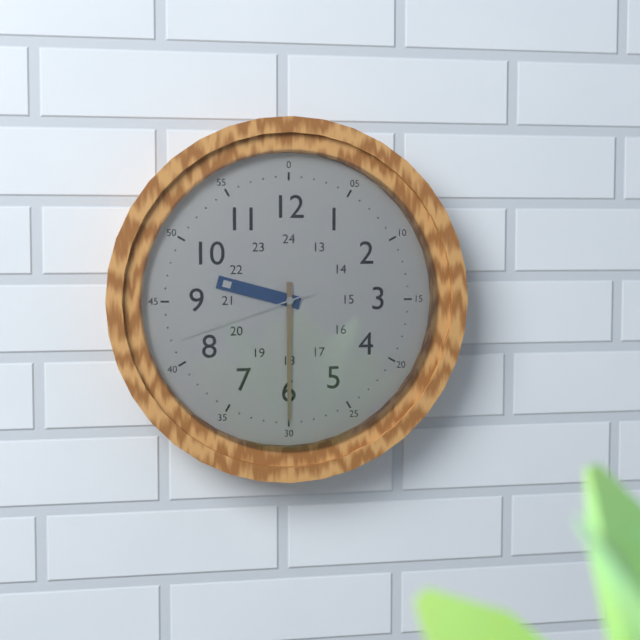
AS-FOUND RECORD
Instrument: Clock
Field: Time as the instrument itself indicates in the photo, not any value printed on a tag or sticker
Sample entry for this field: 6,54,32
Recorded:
9,30,42
